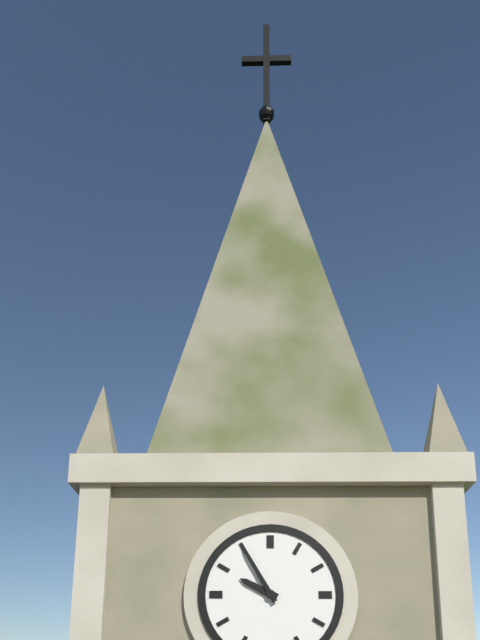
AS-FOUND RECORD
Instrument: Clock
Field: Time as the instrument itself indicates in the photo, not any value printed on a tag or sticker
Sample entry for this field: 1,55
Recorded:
9,55
